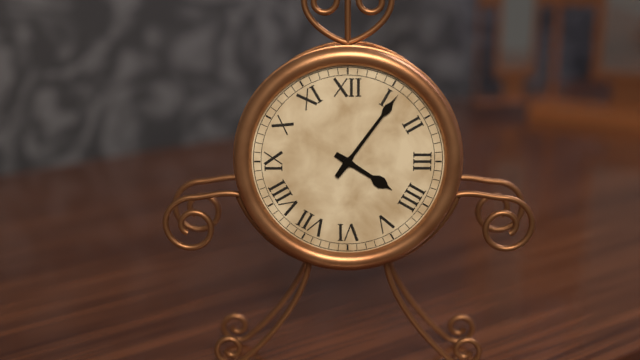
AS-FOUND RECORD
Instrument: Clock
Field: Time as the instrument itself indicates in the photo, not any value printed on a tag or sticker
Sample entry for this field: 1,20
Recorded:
4,06
